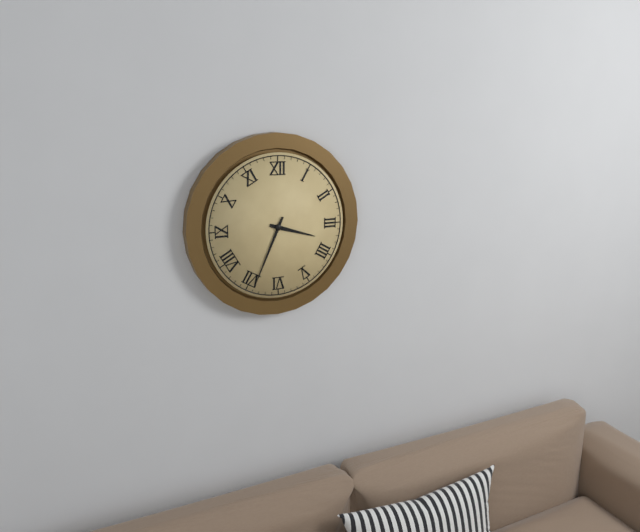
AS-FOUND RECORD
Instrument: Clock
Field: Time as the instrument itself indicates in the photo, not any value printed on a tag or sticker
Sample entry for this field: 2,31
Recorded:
3,34
